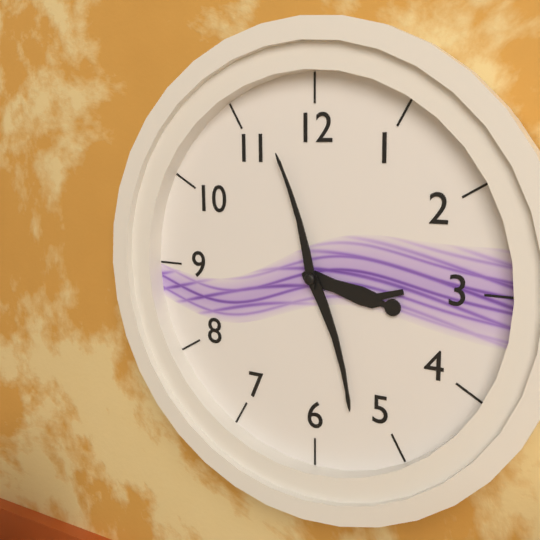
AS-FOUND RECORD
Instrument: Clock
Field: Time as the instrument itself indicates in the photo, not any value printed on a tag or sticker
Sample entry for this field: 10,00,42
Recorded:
3,27,57
